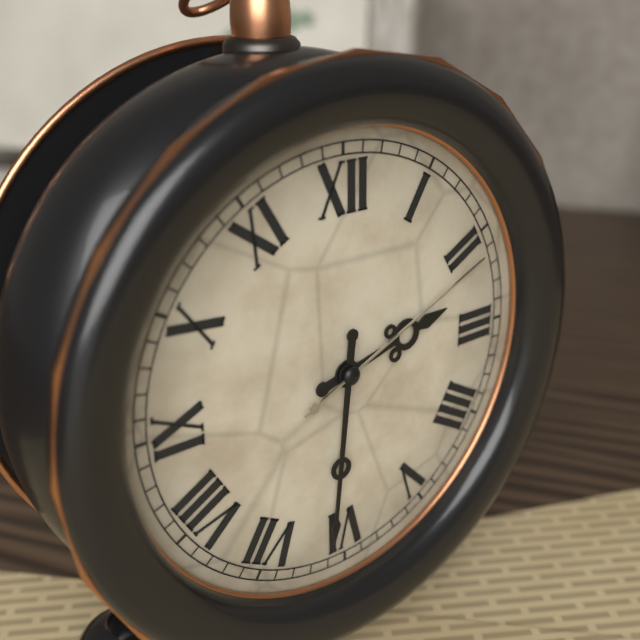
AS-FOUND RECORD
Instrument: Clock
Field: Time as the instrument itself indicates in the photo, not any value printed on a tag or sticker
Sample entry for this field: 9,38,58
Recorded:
2,31,11
